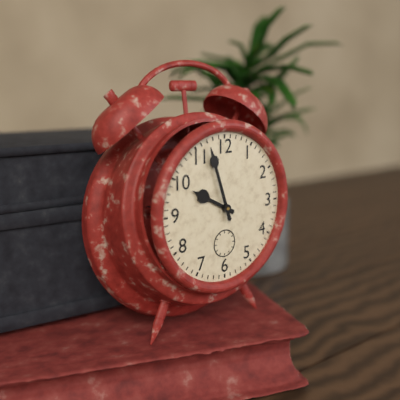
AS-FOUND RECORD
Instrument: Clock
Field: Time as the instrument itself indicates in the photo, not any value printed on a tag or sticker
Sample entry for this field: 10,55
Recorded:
9,57
